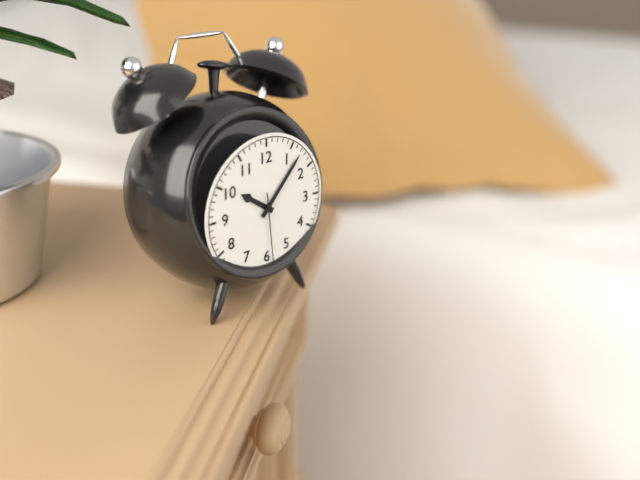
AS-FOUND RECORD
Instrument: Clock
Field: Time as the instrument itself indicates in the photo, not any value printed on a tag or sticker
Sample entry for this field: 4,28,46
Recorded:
10,07,29
